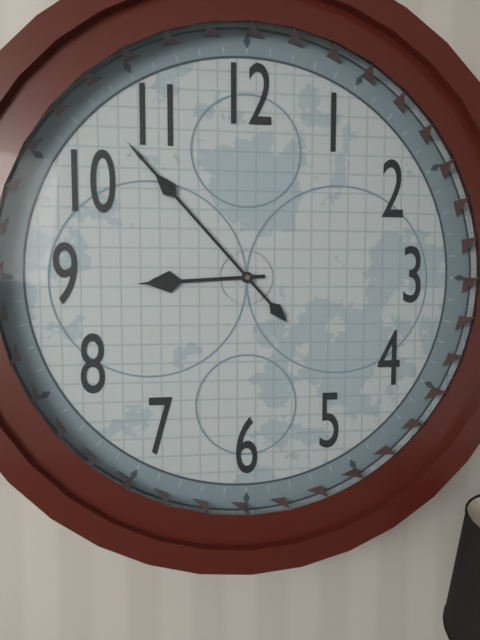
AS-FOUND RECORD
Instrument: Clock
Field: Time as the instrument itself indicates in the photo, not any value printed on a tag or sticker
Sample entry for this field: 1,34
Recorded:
8,53
